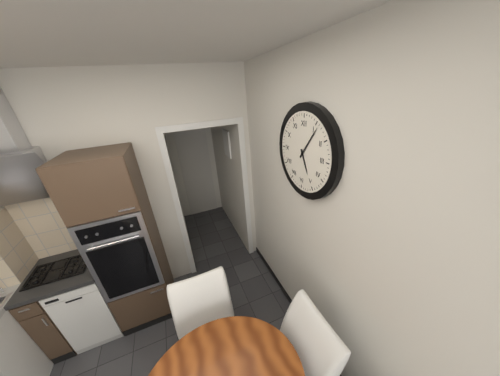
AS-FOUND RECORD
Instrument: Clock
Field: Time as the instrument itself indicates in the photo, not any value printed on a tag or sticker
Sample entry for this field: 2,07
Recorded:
5,06
